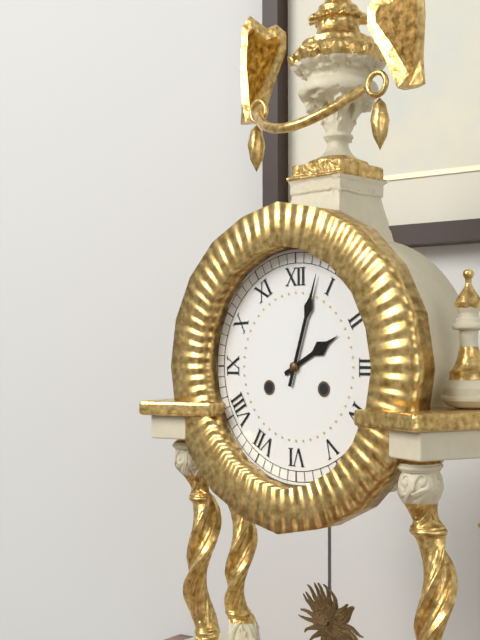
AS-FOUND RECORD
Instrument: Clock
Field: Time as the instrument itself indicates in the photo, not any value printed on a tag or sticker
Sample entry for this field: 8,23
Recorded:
2,03
